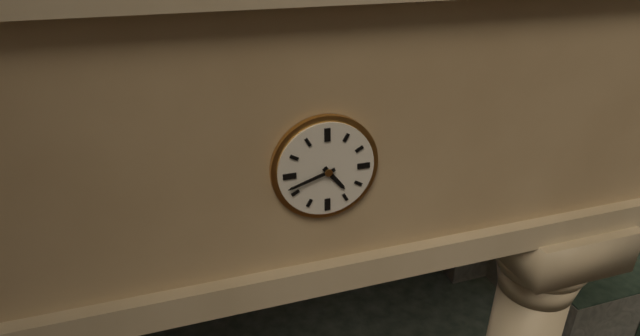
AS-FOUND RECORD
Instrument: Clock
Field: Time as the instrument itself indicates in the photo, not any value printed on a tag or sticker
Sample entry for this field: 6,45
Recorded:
4,42
